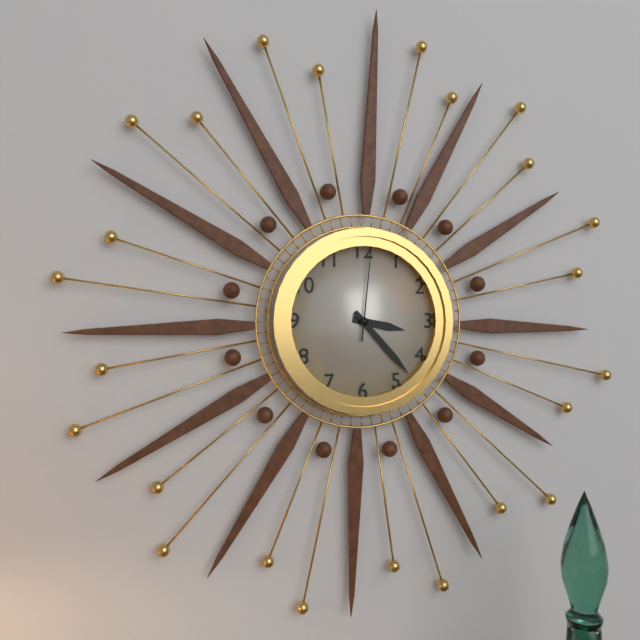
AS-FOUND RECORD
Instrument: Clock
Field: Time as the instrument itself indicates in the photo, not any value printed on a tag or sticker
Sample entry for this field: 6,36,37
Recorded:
3,23,01
